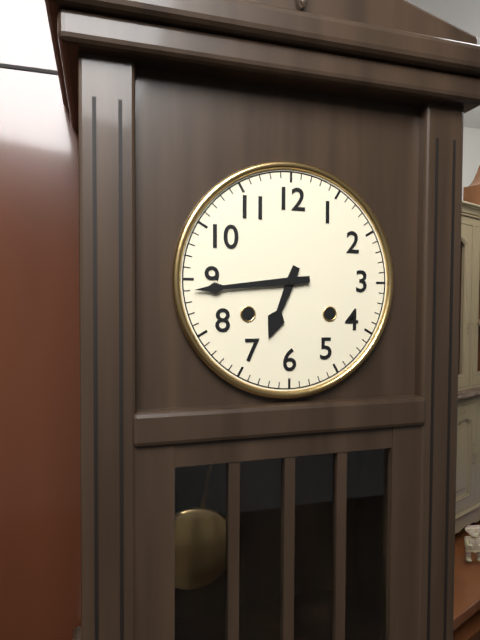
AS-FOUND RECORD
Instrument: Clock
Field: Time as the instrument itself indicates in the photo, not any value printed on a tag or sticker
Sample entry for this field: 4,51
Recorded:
6,44
